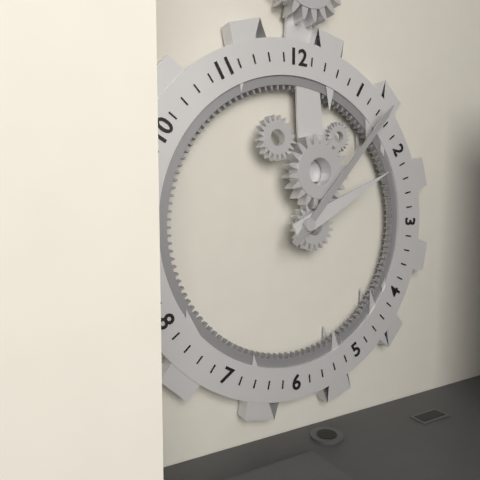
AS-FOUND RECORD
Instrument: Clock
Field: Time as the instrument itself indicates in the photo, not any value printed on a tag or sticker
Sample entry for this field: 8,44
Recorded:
2,07
